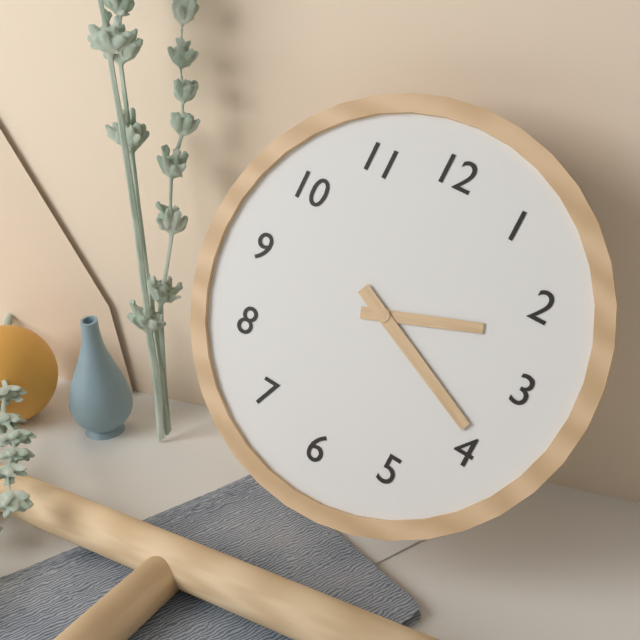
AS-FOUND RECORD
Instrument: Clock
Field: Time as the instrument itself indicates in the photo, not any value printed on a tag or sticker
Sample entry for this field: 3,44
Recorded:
2,19
